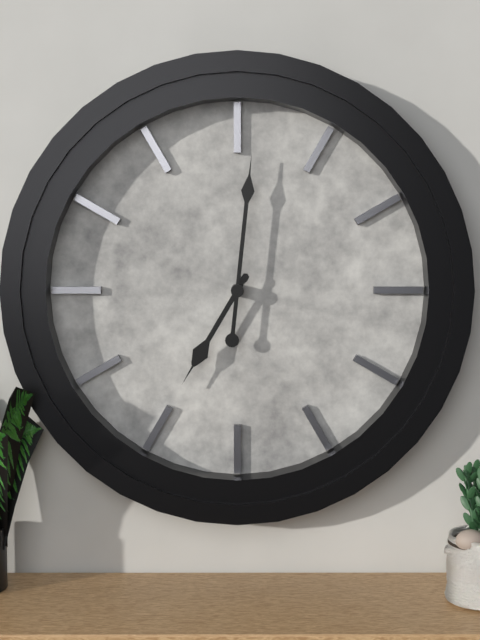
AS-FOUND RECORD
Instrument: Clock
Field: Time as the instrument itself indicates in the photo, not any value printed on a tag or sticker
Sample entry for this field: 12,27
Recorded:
7,01
